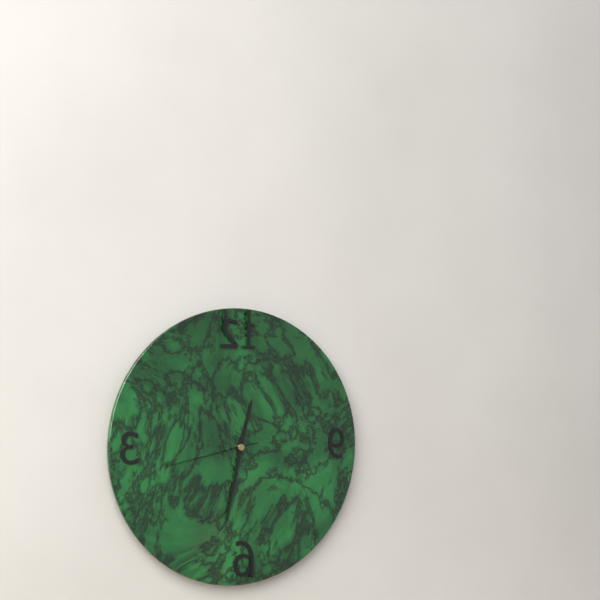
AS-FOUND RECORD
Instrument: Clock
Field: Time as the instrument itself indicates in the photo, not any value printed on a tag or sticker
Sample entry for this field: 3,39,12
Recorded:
12,32,43
